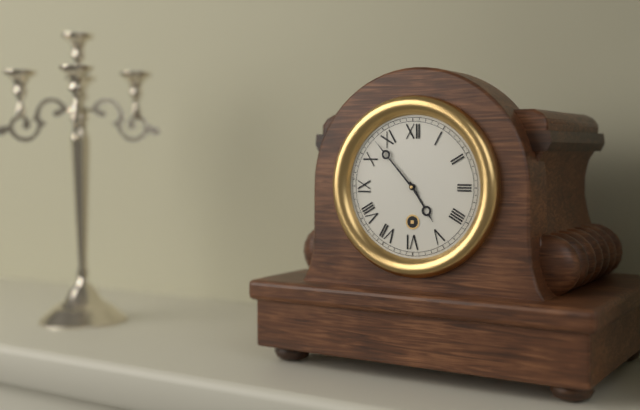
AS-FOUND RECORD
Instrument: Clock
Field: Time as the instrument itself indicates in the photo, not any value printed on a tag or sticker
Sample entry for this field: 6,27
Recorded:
4,53
